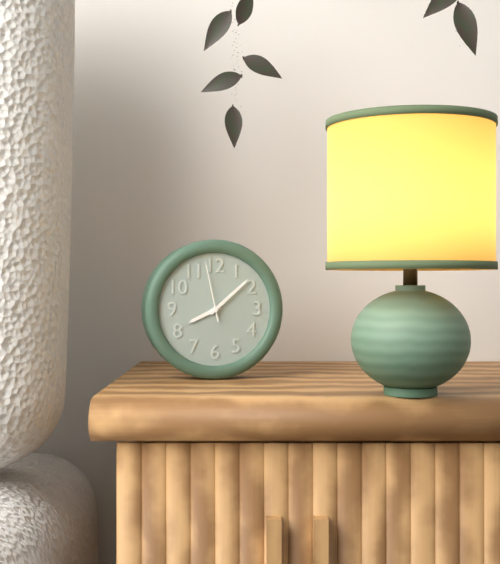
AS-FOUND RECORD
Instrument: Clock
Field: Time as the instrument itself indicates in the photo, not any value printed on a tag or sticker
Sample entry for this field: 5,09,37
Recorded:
8,08,58
